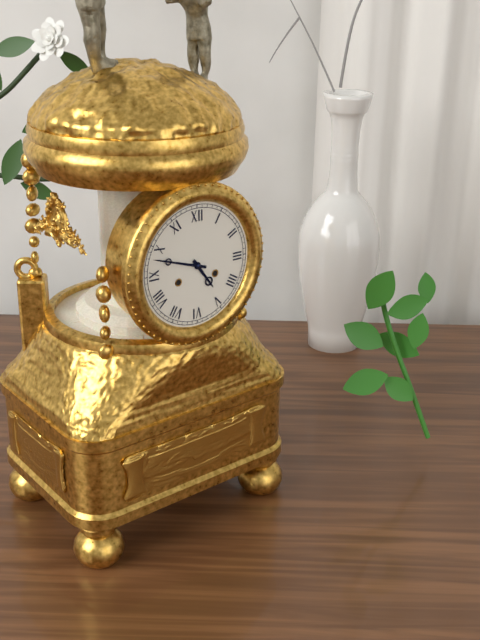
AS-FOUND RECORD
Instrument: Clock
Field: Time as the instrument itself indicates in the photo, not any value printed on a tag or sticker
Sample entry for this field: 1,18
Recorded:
4,48
